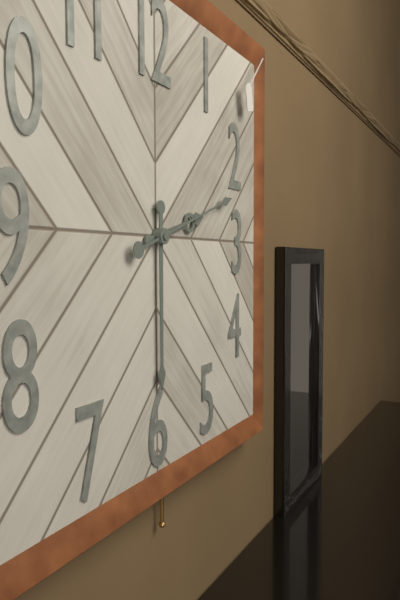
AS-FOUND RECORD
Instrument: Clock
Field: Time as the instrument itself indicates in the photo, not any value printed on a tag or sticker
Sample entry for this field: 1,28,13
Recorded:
2,30,12
